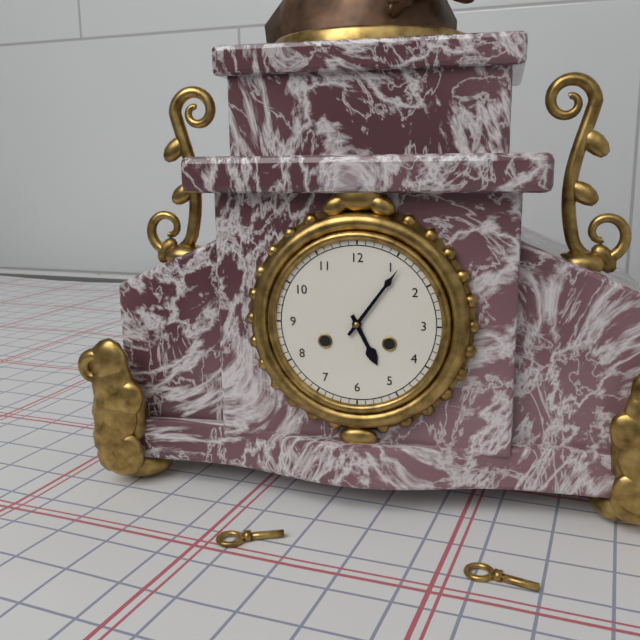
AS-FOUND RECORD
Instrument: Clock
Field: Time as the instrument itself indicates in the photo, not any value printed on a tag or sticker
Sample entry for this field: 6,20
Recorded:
5,06
